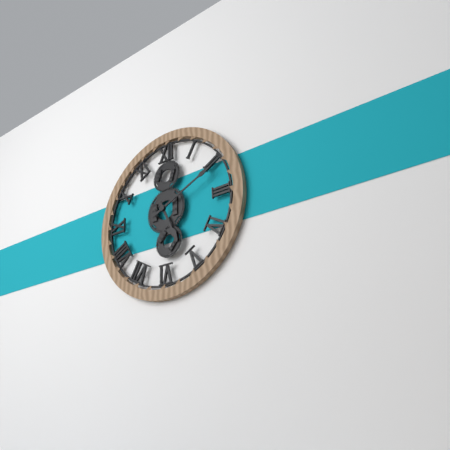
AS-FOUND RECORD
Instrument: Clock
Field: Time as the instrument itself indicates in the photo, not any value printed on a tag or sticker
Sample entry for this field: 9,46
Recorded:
5,11
